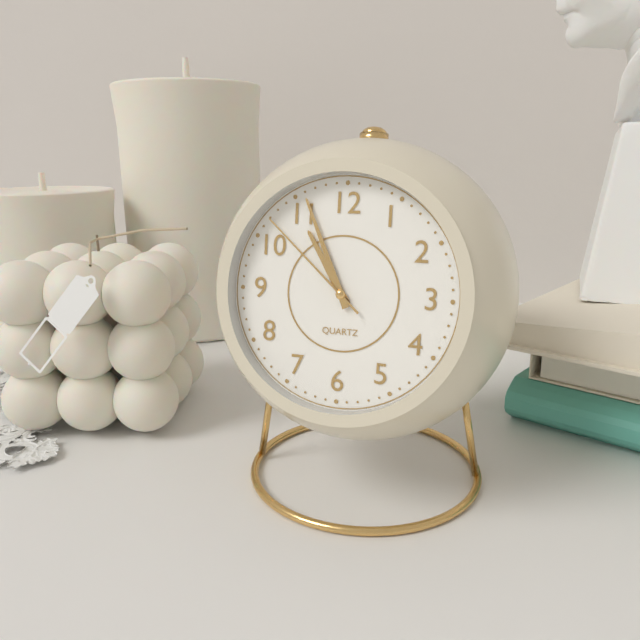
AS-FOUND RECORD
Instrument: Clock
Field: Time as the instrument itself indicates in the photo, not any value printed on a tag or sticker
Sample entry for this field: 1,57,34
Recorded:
10,56,52
